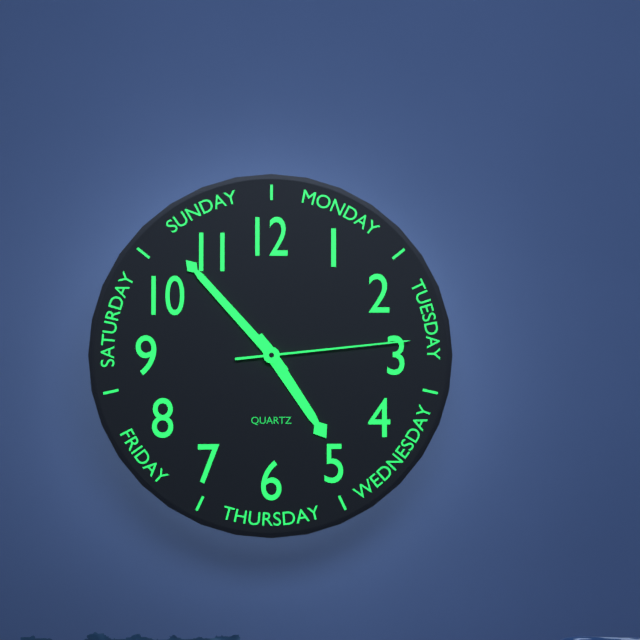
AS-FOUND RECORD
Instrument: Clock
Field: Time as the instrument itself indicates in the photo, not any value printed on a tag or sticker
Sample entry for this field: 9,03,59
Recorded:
4,53,14
